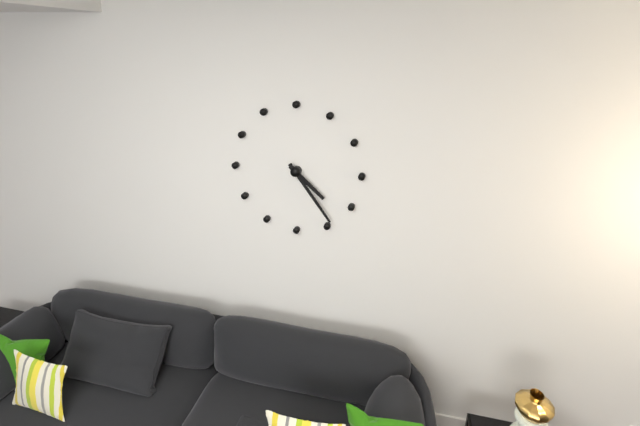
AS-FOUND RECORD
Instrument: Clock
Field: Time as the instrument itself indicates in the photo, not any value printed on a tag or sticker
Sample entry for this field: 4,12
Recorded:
4,24
